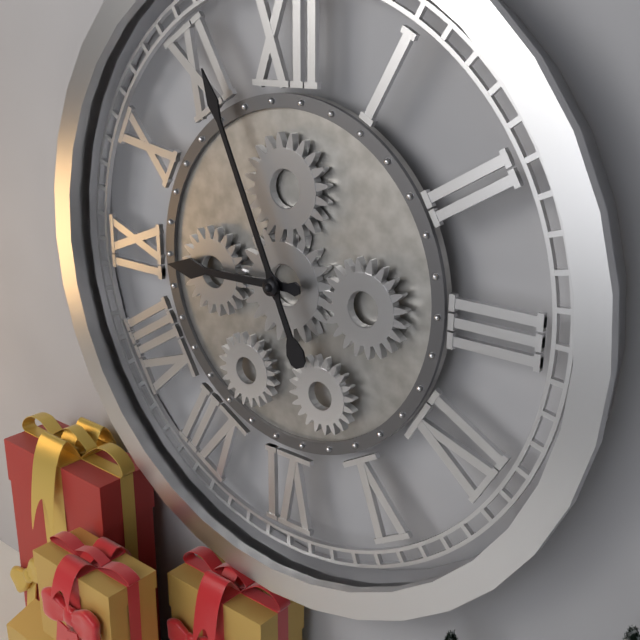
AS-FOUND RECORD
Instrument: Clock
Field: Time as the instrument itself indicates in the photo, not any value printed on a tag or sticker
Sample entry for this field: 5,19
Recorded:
8,56
